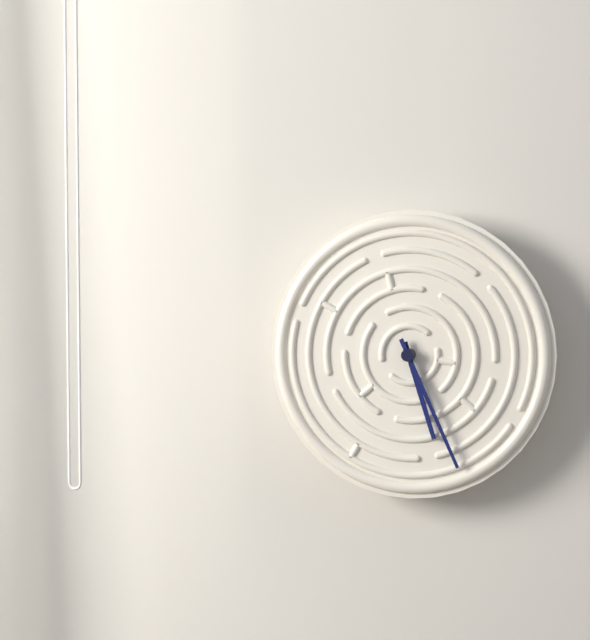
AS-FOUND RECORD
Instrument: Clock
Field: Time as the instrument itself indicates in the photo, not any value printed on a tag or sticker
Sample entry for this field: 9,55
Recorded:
5,26
